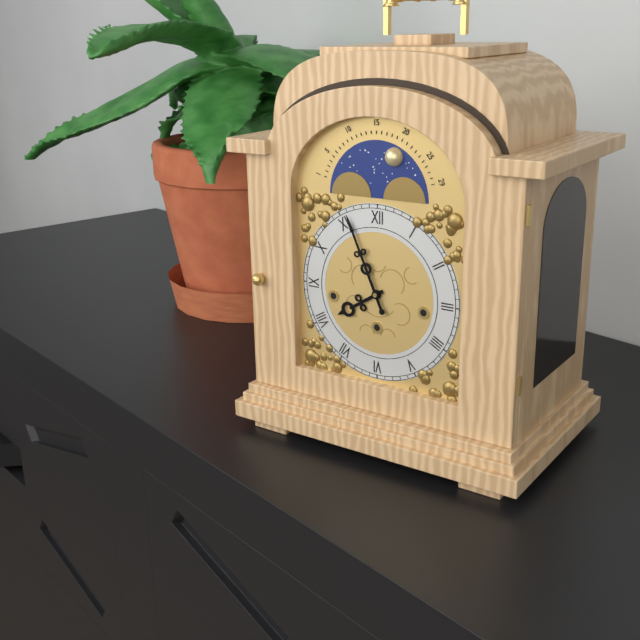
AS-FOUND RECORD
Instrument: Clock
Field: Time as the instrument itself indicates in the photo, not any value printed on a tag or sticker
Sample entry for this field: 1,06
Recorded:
7,56
